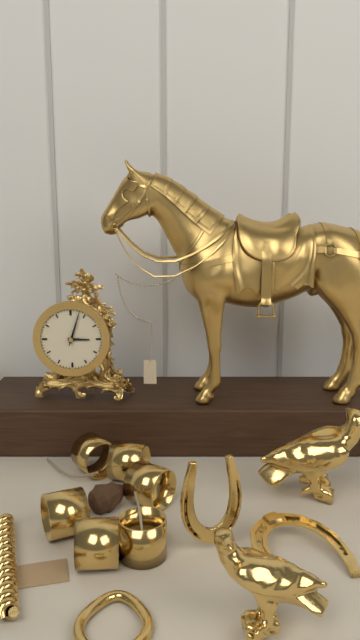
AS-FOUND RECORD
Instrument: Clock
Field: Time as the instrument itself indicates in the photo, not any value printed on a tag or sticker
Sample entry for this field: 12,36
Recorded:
3,03
